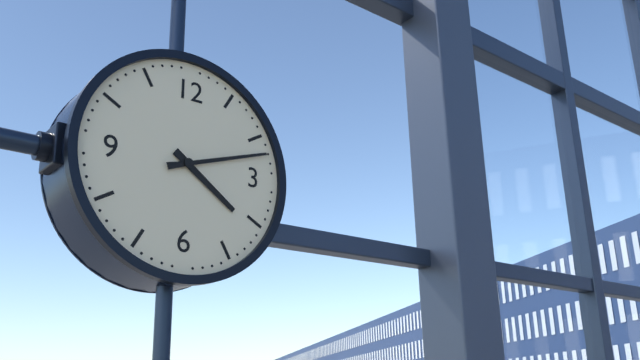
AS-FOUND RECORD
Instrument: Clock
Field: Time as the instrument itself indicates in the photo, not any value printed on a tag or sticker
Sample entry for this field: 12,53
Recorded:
4,12
